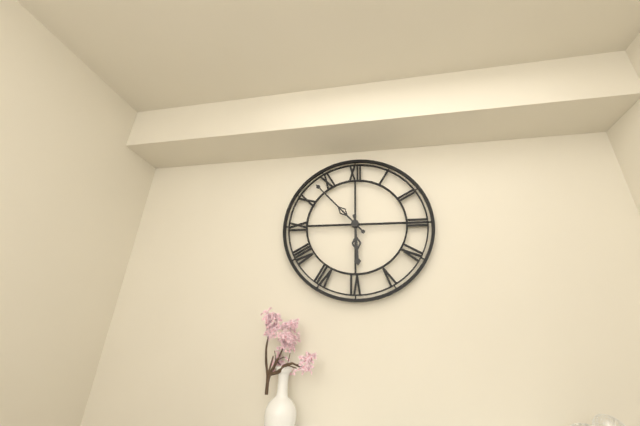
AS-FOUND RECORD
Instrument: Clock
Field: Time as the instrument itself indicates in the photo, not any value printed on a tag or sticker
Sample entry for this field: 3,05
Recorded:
5,53
